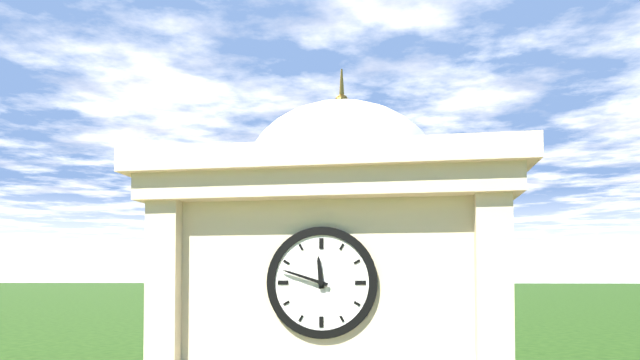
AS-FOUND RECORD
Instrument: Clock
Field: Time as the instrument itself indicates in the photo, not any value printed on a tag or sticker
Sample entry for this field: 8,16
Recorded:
11,48
